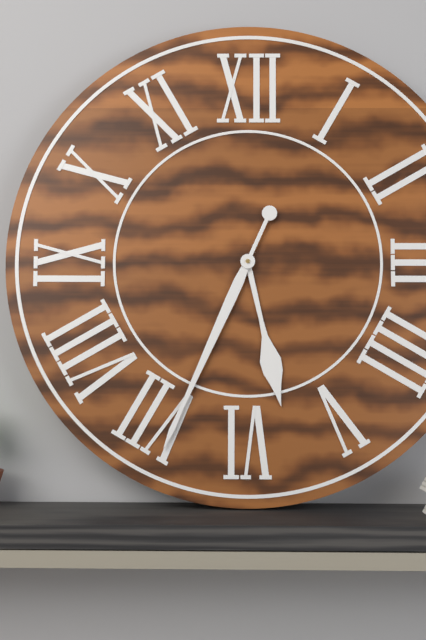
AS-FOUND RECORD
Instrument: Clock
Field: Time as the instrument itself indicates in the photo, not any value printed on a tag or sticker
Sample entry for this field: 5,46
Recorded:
5,34
